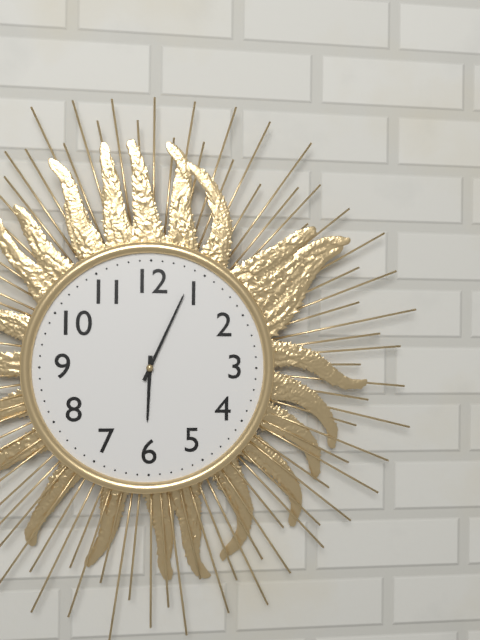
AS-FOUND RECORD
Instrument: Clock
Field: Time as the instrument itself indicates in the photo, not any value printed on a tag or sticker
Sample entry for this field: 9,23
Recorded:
6,04
